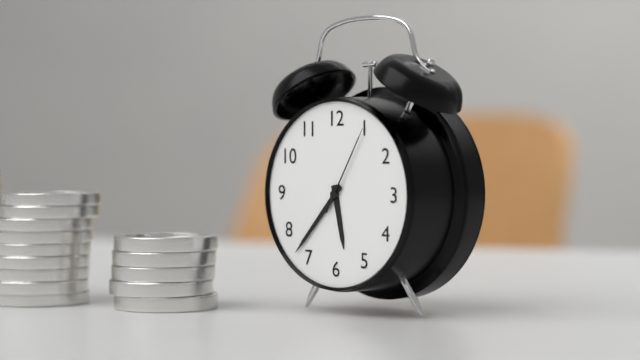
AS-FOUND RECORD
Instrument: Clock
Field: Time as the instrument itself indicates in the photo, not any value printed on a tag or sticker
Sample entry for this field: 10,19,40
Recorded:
5,37,05
